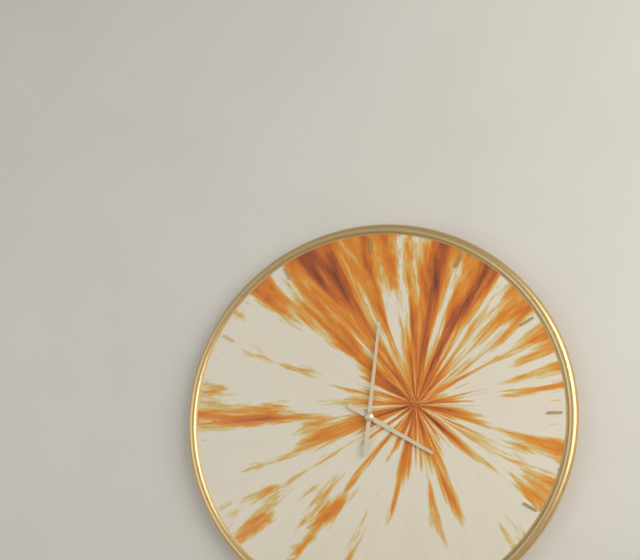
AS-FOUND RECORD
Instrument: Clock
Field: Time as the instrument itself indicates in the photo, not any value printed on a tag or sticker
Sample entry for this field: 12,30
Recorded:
4,01
